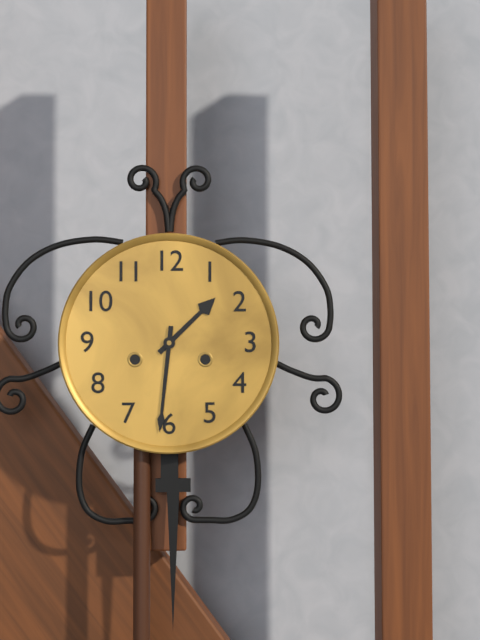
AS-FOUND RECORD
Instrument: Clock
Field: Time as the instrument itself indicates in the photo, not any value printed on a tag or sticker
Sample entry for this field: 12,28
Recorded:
1,31
